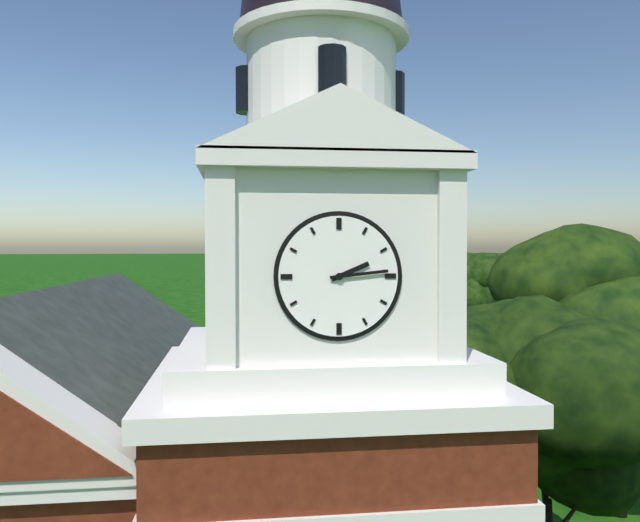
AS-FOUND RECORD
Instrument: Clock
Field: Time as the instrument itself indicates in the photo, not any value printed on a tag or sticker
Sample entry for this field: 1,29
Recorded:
2,14
